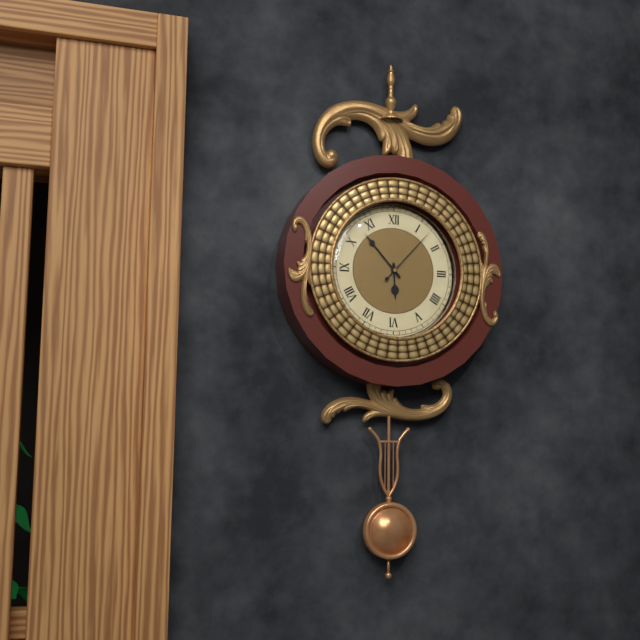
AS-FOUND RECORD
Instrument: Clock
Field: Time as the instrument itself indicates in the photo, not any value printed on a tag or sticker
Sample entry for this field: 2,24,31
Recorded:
5,53,07
